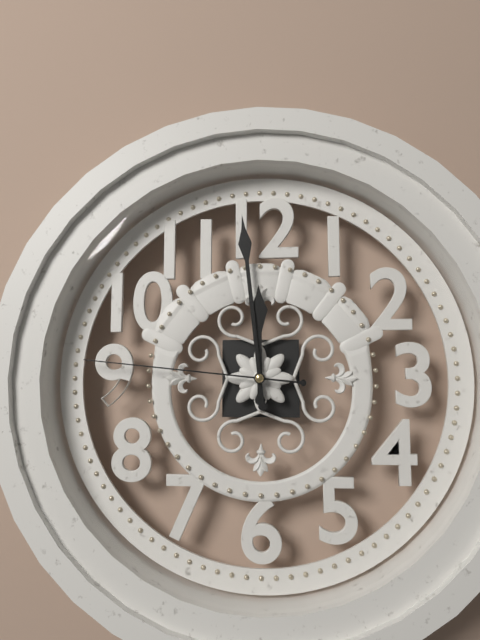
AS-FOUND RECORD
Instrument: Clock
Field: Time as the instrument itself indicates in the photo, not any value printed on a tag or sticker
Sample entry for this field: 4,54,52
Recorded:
11,59,46
